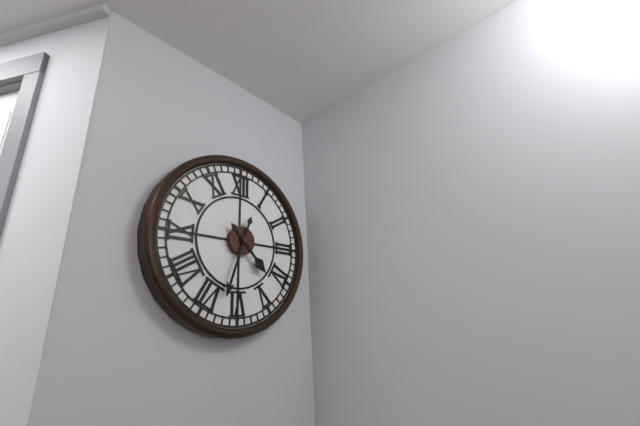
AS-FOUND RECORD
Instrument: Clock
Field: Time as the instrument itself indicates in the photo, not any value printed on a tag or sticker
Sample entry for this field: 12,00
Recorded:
4,33
